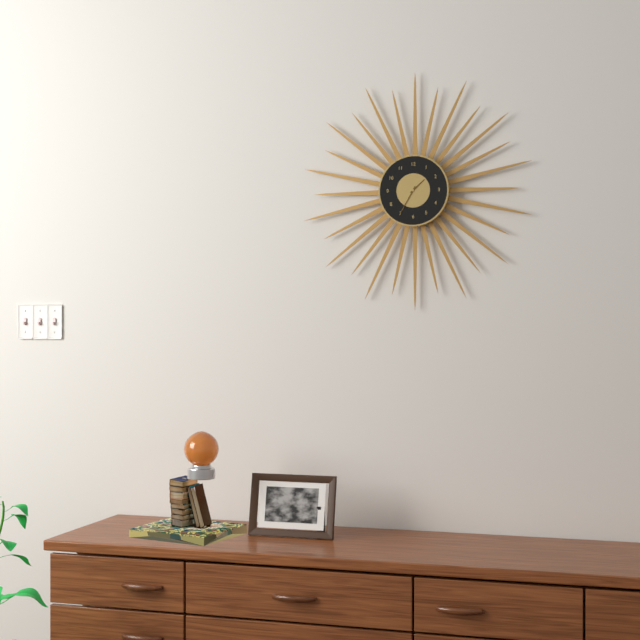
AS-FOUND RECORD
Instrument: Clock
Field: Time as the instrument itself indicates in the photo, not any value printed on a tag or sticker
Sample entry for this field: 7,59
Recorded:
1,35
